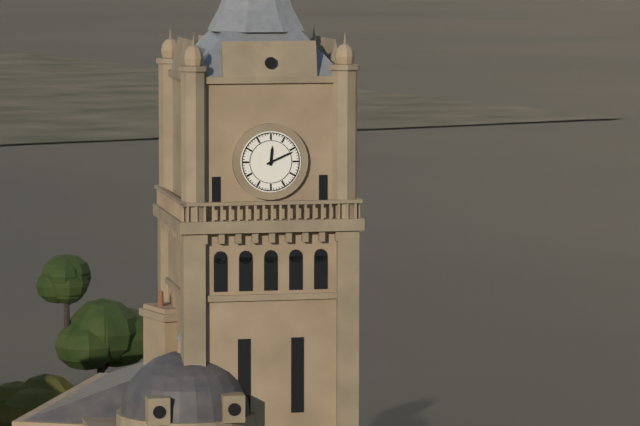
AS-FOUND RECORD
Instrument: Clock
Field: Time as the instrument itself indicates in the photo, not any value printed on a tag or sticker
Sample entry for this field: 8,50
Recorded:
12,11
